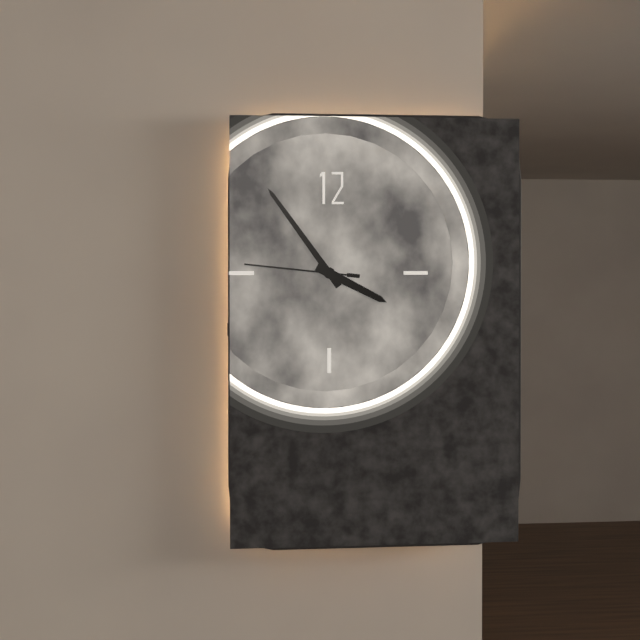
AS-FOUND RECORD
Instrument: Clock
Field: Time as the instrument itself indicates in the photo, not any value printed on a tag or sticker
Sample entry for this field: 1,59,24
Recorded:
3,54,46
